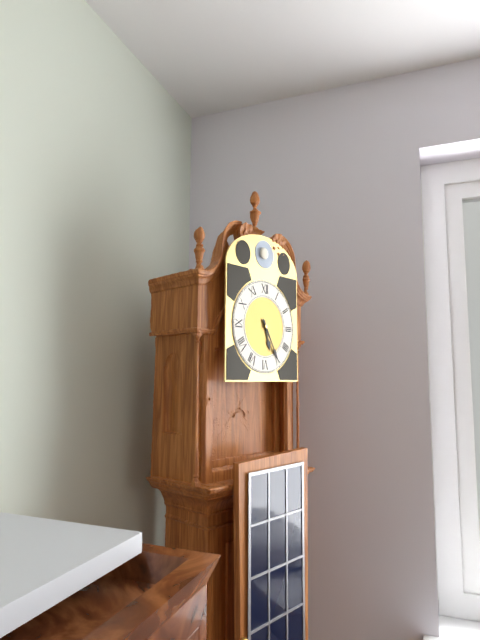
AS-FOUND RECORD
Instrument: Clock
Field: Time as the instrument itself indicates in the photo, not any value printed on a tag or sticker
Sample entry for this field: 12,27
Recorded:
5,25
